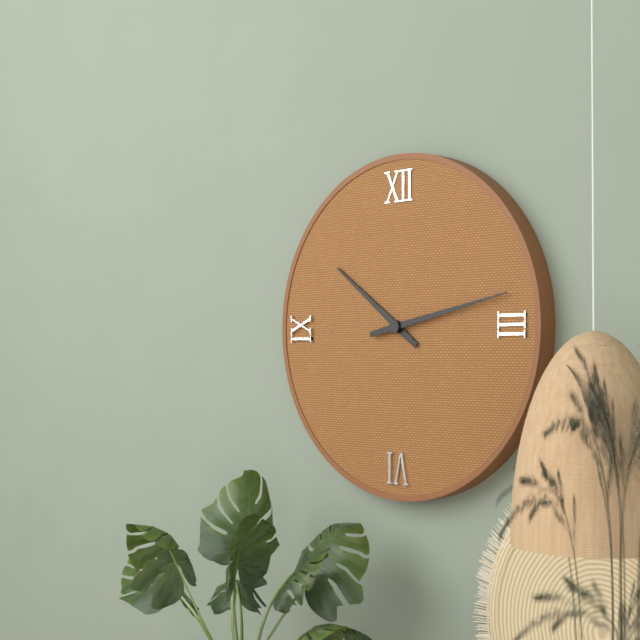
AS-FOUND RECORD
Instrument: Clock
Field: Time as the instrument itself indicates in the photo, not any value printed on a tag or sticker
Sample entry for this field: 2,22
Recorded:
10,13
